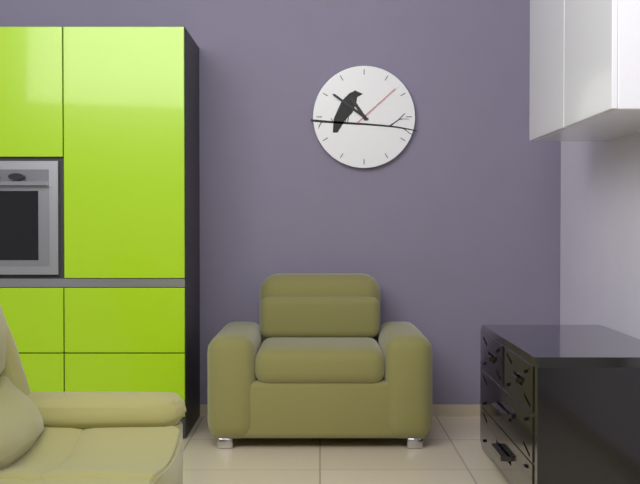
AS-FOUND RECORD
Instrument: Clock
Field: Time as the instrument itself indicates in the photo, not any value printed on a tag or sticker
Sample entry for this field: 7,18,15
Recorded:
10,51,08
